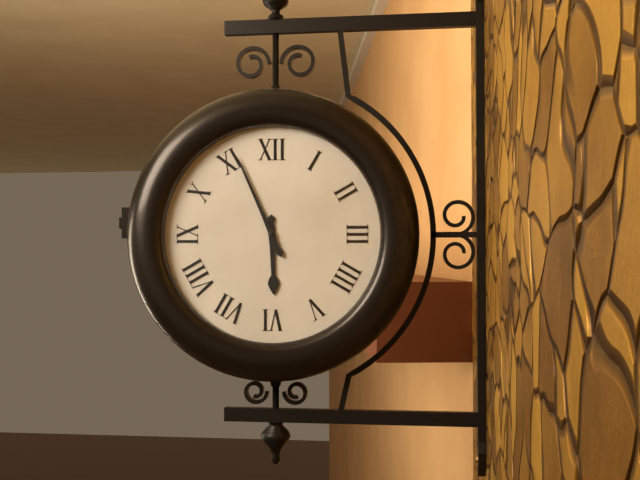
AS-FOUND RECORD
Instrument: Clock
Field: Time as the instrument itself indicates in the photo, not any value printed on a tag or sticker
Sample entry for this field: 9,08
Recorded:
5,56
